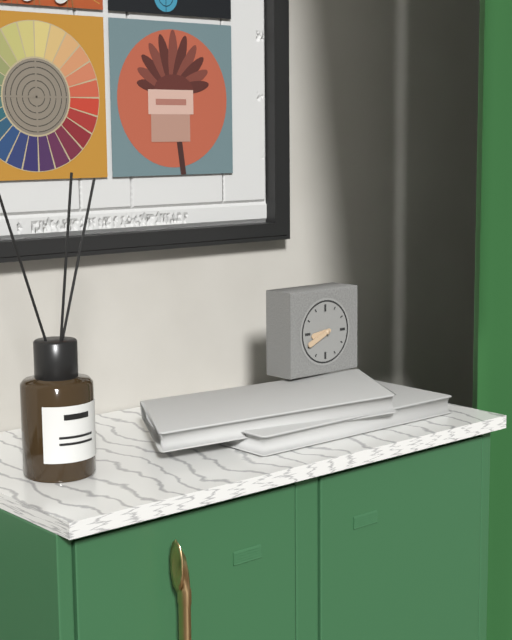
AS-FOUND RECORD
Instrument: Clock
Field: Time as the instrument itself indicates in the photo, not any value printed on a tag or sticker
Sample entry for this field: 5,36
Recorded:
8,41
